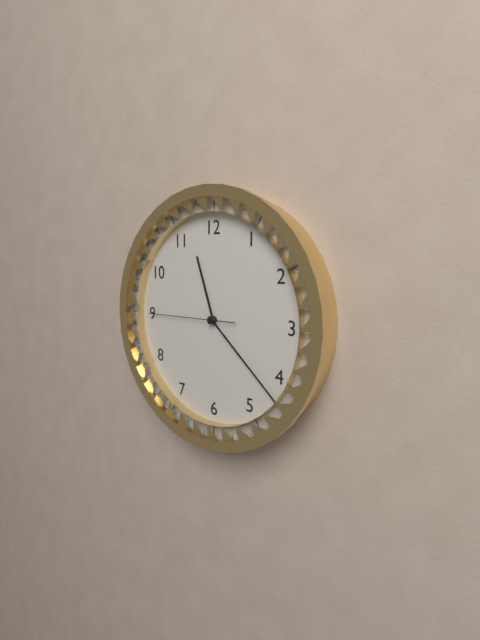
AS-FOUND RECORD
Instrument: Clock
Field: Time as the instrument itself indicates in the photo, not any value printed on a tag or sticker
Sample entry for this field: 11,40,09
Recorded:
11,22,45
